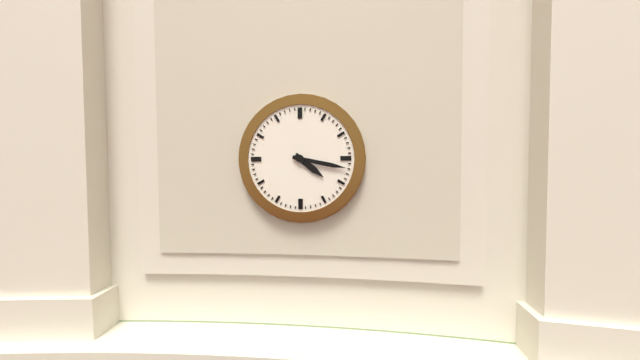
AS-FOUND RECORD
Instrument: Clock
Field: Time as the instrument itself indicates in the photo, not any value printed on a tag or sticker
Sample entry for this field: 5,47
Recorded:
4,17
